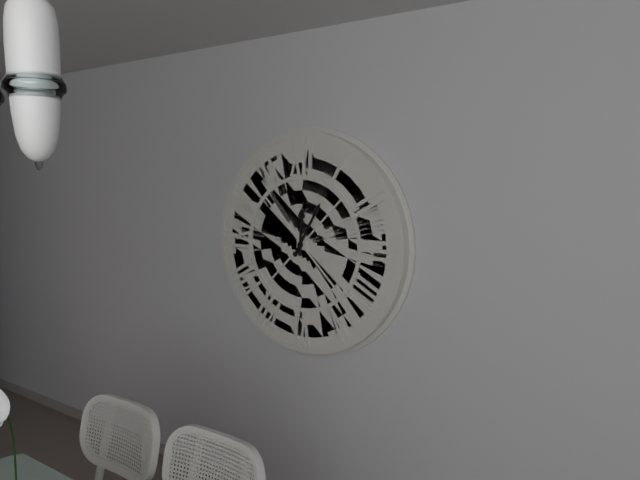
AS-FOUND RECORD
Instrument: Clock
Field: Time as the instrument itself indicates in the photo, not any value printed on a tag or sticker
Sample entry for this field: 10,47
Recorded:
12,05
